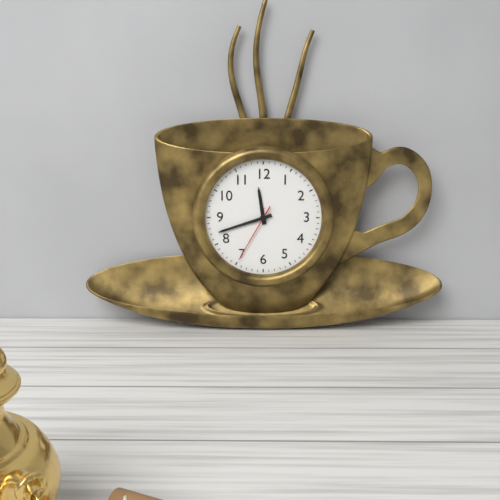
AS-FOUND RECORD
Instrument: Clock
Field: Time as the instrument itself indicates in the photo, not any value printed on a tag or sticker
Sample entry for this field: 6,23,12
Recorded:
11,42,35
